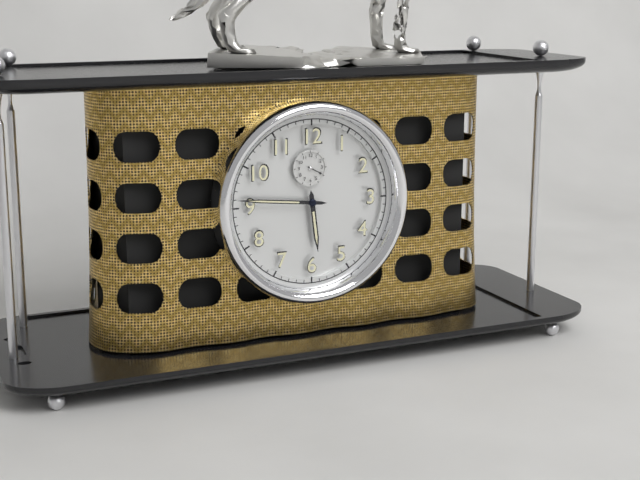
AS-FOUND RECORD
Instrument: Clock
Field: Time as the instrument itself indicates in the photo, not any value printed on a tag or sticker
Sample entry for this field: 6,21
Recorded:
5,46
